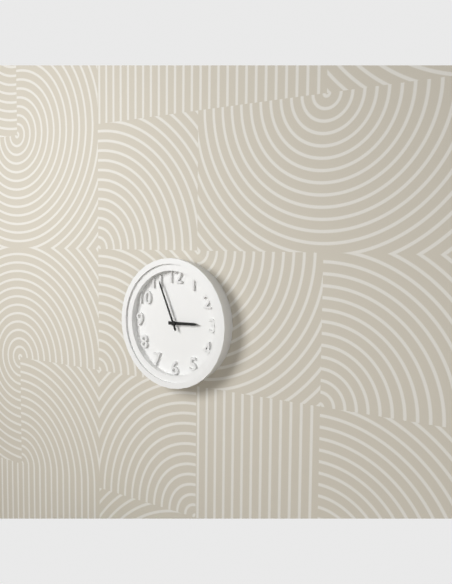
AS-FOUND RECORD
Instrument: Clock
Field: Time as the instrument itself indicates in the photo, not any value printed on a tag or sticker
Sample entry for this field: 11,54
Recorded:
2,56
